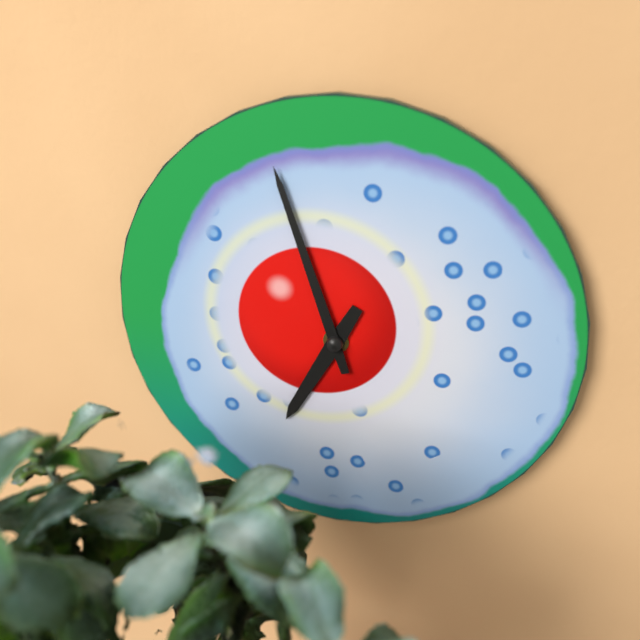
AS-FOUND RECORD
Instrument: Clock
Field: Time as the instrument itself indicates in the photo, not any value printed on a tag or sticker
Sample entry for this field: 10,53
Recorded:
6,57
